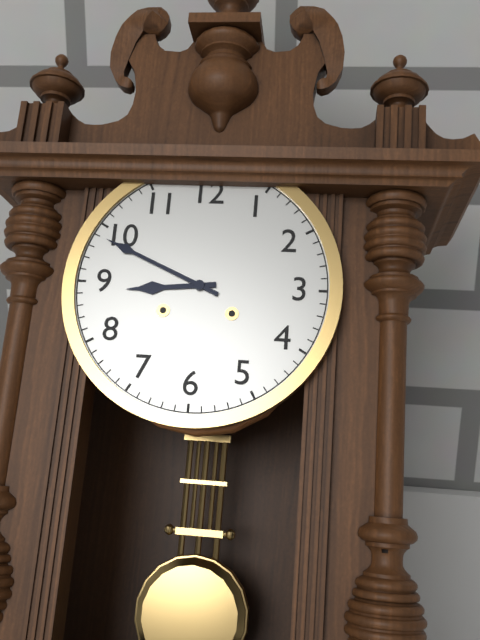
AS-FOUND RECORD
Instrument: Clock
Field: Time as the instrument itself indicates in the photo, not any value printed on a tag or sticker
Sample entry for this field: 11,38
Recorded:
8,49
